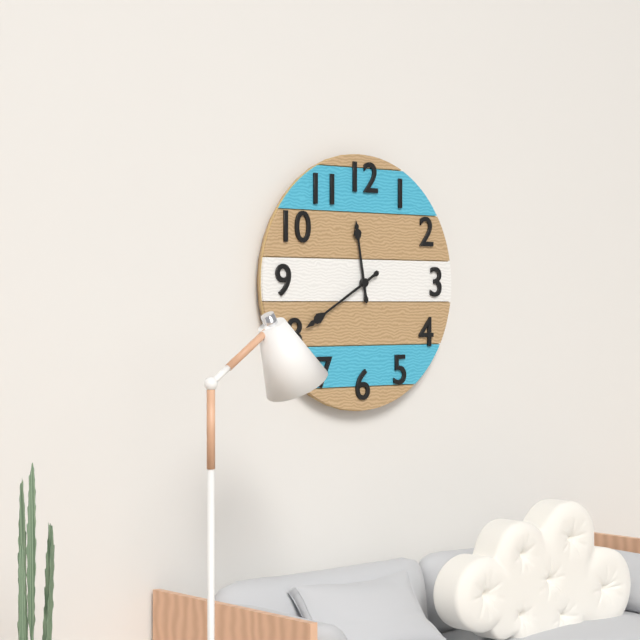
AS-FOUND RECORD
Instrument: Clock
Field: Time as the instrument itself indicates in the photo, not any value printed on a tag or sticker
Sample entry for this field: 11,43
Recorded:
11,40
